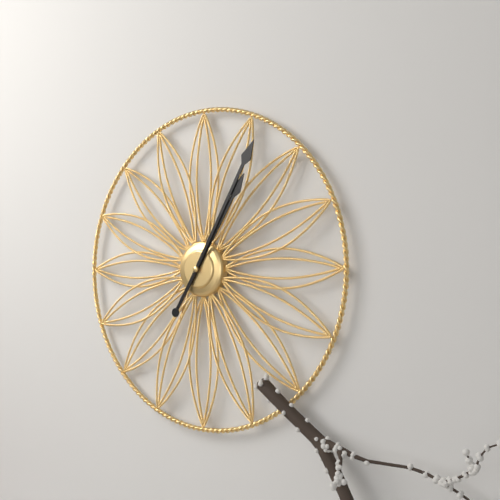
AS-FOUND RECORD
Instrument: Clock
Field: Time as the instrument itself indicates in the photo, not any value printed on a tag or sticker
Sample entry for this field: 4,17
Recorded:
1,05
